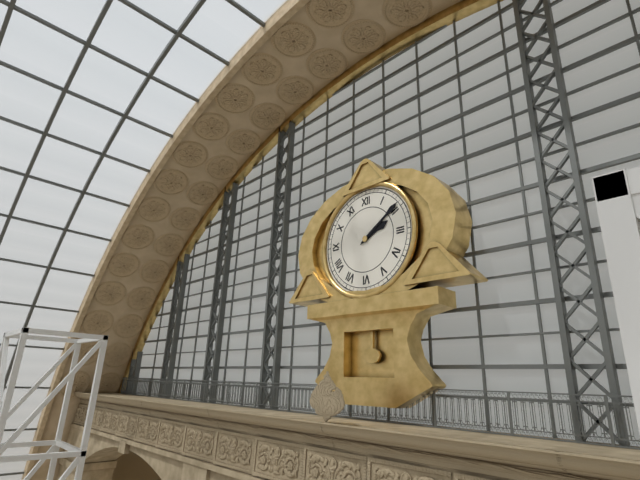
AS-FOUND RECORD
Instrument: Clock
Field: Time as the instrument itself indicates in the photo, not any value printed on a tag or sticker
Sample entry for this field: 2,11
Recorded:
2,09
